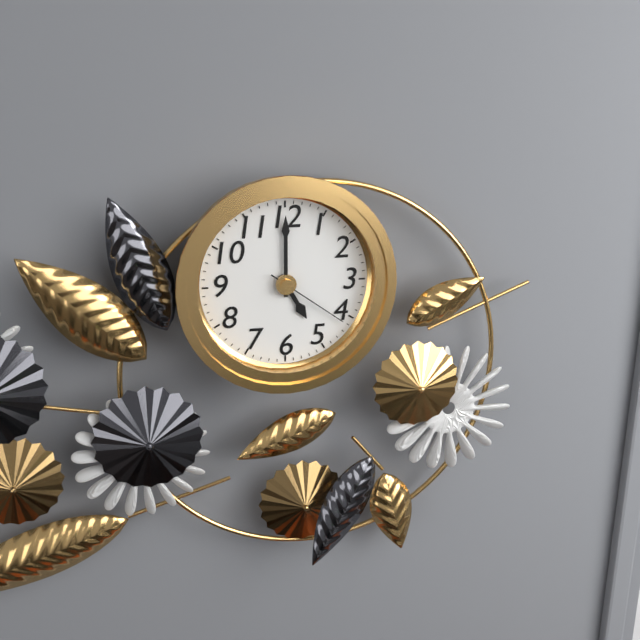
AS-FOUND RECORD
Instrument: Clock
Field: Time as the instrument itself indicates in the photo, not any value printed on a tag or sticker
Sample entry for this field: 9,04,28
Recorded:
5,00,21
